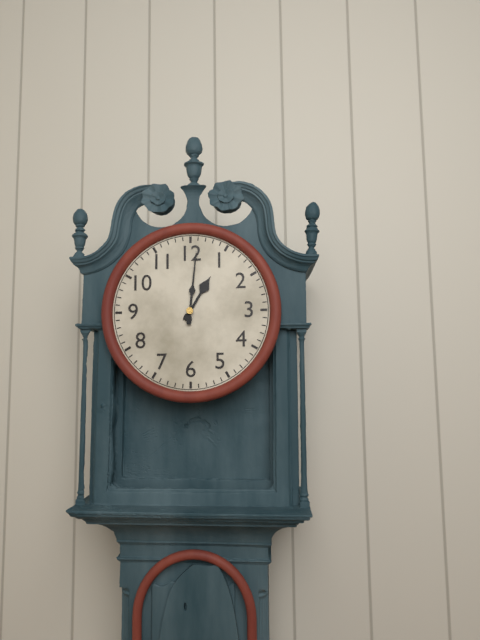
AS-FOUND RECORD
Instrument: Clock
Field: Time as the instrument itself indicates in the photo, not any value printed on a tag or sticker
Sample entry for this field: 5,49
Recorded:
1,01
